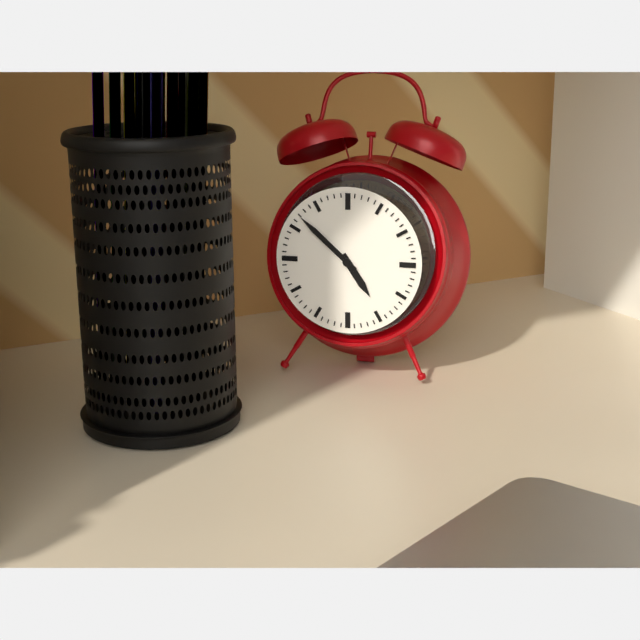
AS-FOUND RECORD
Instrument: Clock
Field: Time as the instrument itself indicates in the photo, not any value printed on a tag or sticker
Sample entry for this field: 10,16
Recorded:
4,52
